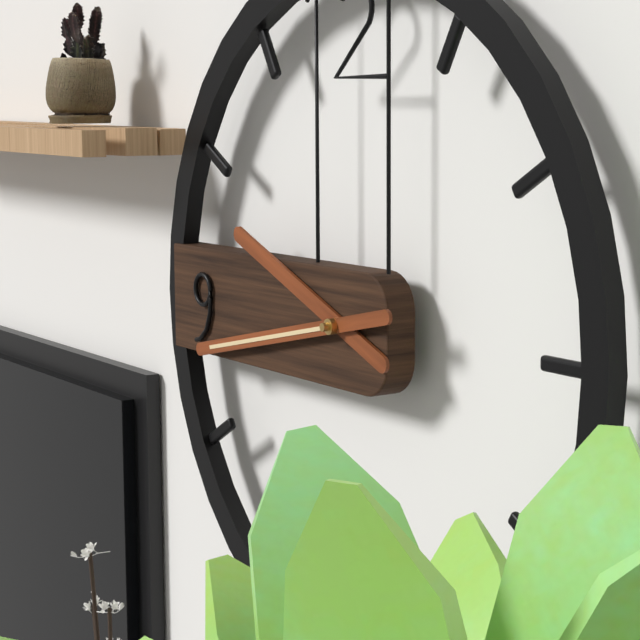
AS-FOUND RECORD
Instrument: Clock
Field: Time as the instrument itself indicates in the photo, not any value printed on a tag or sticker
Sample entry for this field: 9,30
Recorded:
9,43
